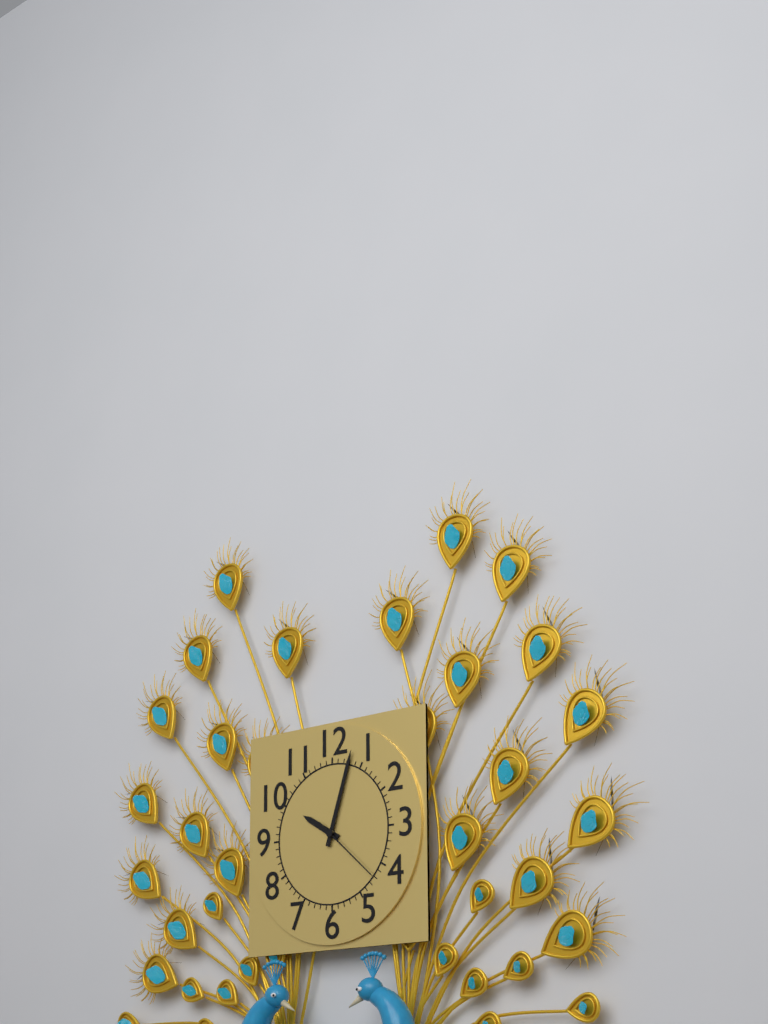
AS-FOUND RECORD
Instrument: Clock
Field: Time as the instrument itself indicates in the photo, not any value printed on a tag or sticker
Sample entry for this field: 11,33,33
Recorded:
10,03,22
